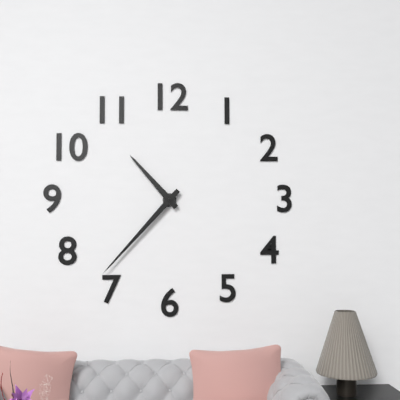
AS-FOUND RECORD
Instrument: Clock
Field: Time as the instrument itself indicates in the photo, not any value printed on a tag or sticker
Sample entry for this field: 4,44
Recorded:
10,37
